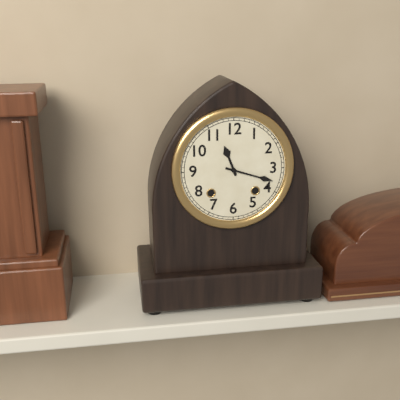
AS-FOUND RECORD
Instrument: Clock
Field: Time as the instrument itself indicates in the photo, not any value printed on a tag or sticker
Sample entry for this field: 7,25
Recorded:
11,18
